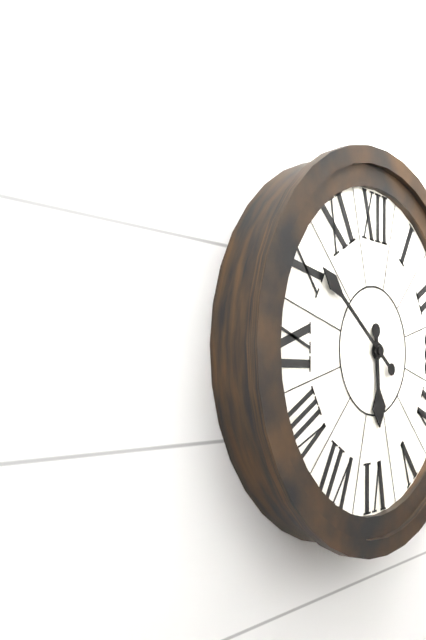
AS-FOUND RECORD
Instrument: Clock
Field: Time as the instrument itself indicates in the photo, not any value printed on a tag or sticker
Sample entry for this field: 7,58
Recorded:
5,51
